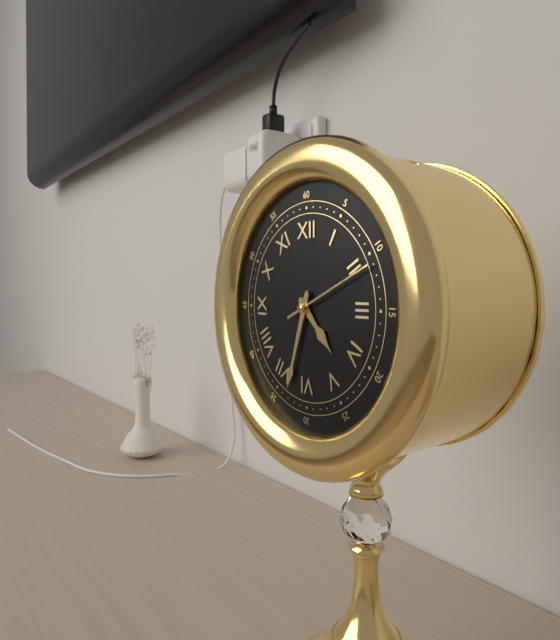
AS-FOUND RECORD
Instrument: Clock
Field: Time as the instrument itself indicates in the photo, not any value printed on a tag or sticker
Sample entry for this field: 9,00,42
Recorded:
4,33,11
